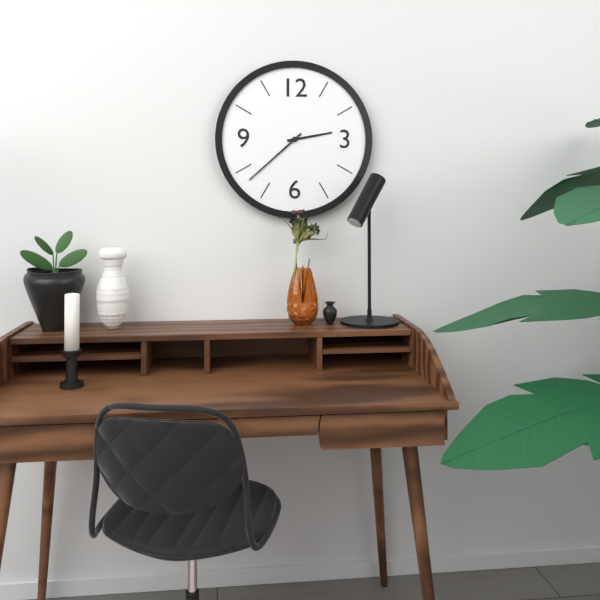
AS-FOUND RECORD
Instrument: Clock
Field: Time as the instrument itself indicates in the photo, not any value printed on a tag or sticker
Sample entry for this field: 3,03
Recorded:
2,38
